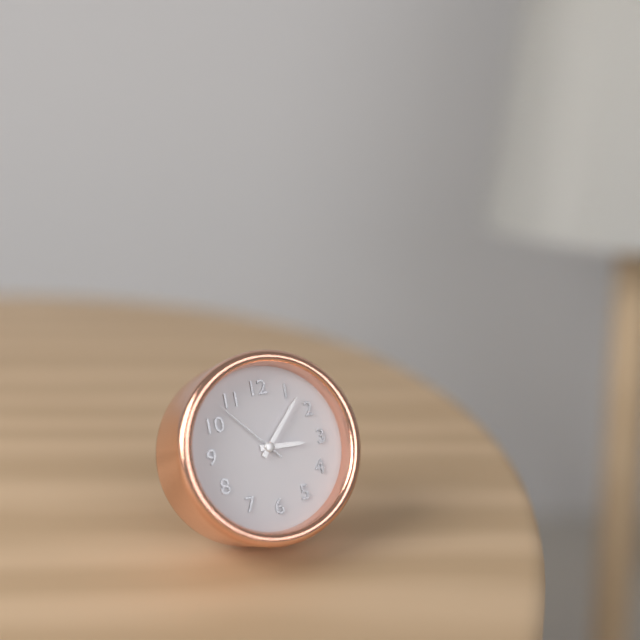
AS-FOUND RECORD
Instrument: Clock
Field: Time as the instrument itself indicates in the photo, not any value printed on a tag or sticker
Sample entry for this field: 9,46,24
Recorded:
3,07,53
